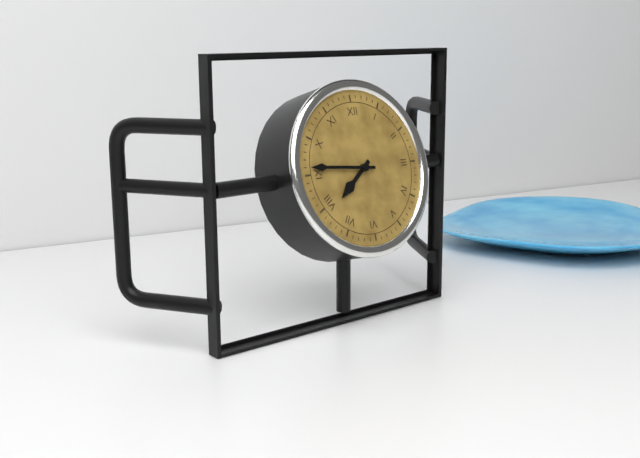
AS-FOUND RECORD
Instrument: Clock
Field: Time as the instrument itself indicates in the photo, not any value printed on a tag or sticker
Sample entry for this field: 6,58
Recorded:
7,46
